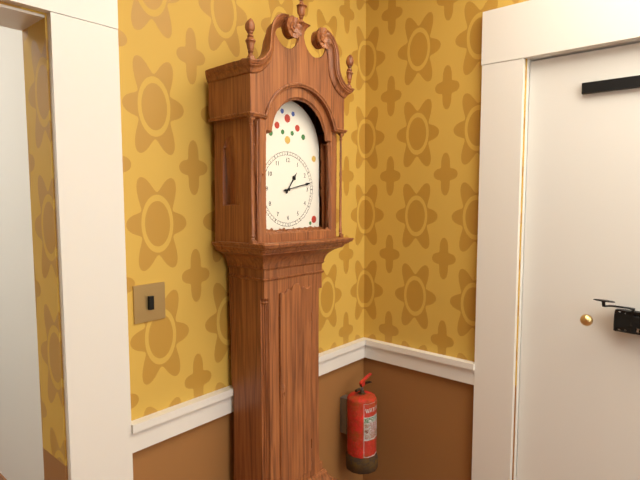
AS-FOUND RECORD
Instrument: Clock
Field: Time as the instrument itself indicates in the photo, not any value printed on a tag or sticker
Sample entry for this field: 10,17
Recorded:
1,13
